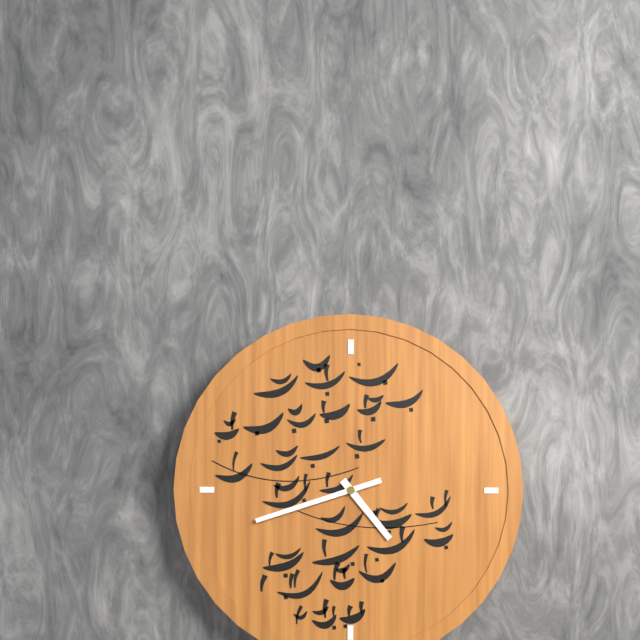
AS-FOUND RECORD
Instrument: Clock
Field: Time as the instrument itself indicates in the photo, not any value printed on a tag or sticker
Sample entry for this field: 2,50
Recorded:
4,42
